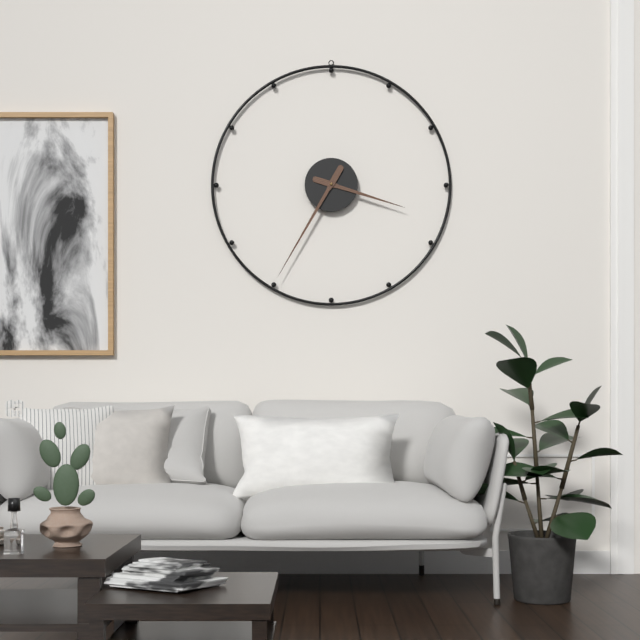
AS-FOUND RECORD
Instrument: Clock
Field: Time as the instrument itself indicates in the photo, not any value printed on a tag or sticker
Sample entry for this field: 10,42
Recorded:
3,35
